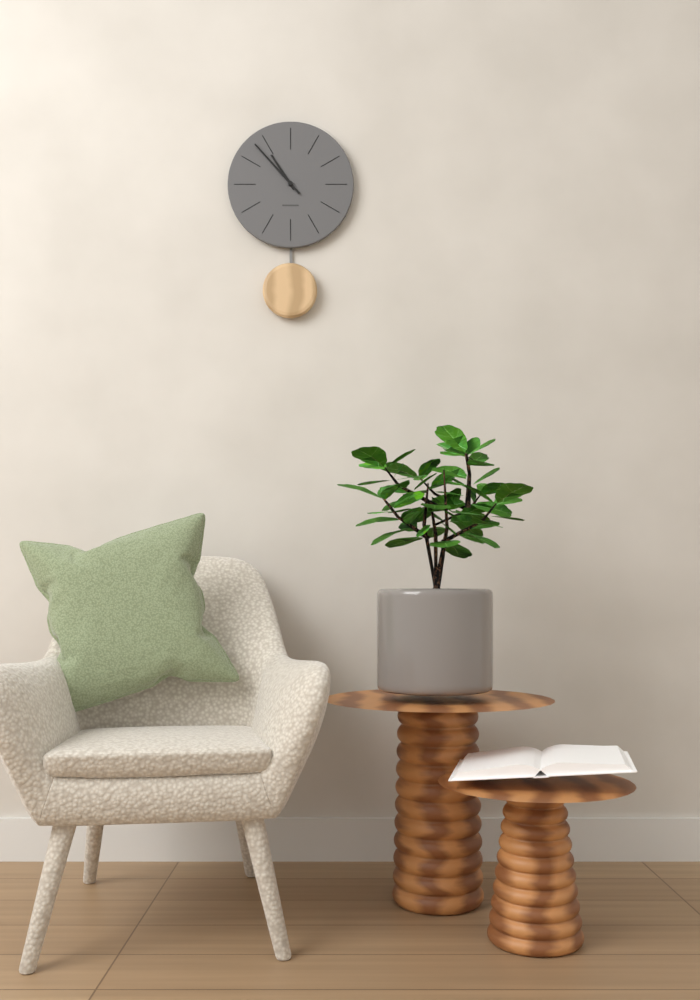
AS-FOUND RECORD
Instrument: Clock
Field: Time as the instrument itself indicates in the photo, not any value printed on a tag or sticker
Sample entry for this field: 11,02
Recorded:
10,53
